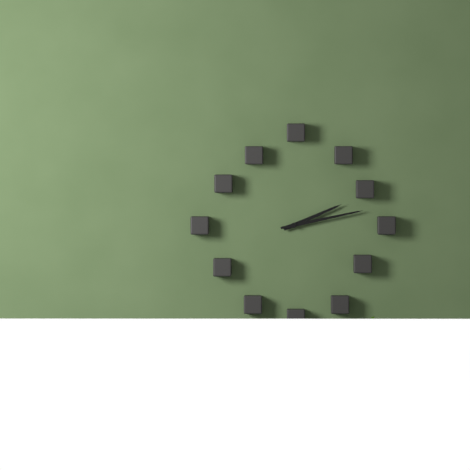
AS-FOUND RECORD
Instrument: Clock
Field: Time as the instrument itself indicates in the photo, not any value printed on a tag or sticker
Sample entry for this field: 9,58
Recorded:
2,13
